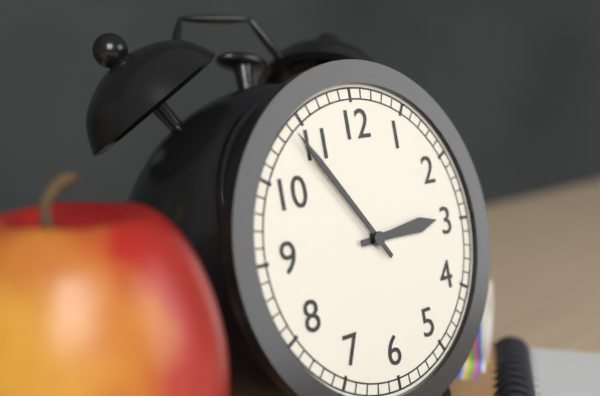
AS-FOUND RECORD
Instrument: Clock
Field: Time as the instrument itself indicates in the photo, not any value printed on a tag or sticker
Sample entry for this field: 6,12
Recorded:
2,54
